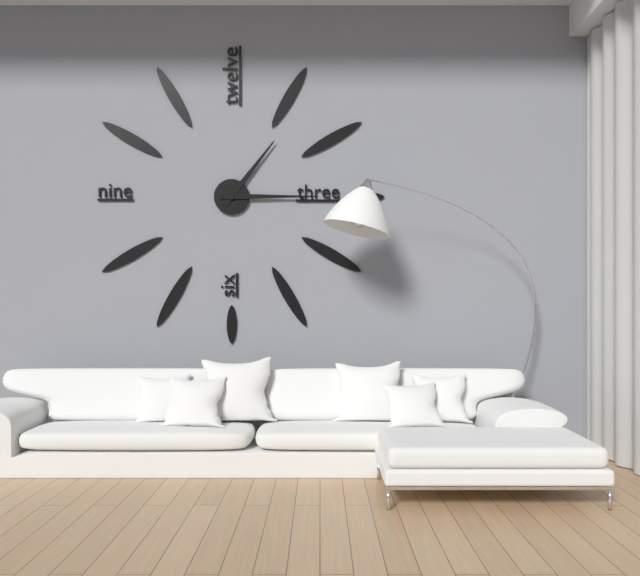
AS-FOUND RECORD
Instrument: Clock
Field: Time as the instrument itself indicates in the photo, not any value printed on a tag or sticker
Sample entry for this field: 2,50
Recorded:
1,15
